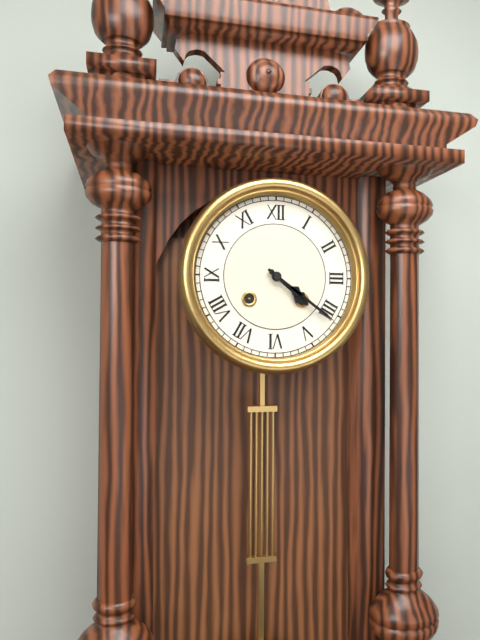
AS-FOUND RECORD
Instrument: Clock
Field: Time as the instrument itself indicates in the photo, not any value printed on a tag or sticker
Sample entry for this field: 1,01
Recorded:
4,21
